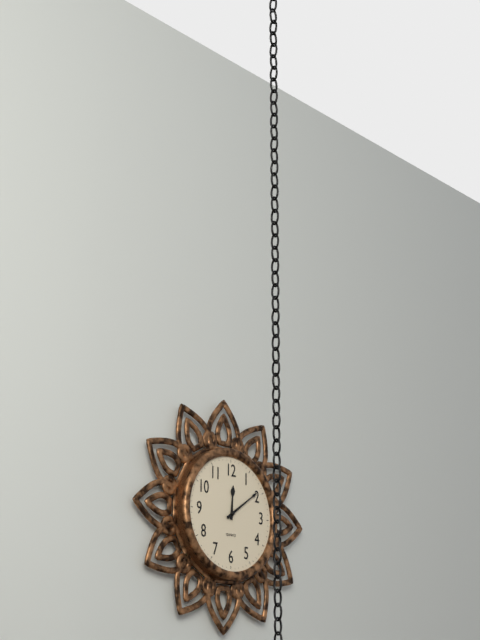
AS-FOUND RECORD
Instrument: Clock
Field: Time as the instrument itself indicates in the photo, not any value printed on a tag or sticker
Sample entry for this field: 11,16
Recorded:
12,09
